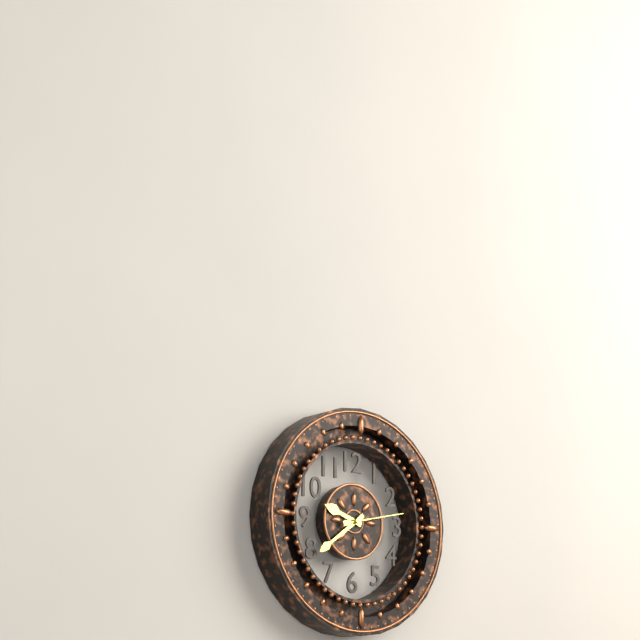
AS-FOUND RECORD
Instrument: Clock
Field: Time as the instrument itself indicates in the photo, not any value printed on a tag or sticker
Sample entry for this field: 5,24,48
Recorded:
9,39,13
